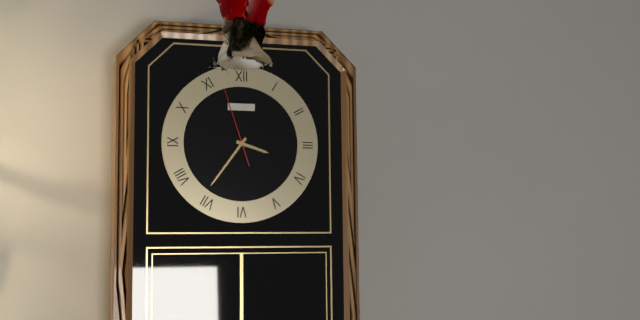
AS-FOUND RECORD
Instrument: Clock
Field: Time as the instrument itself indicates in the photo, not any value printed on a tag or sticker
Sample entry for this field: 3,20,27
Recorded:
3,36,57
